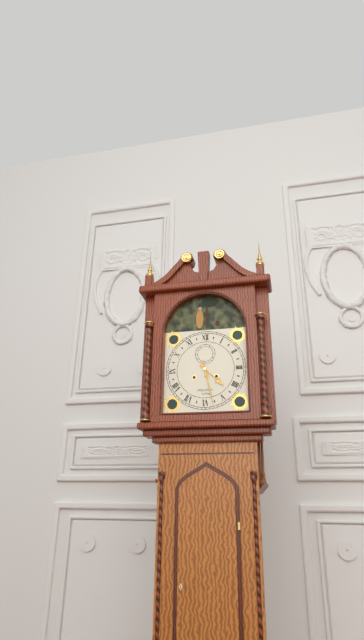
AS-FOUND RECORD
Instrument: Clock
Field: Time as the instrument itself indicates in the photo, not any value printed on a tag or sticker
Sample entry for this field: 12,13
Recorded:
4,28
